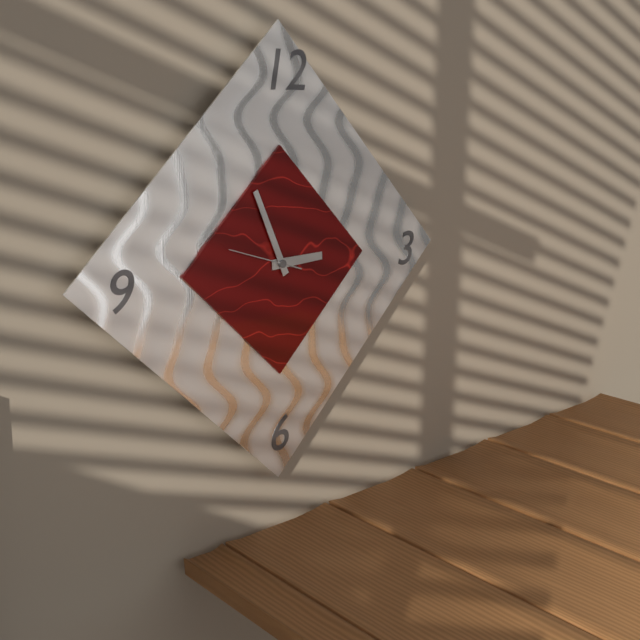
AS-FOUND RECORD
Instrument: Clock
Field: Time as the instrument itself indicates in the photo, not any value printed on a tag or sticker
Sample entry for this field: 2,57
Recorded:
2,56
